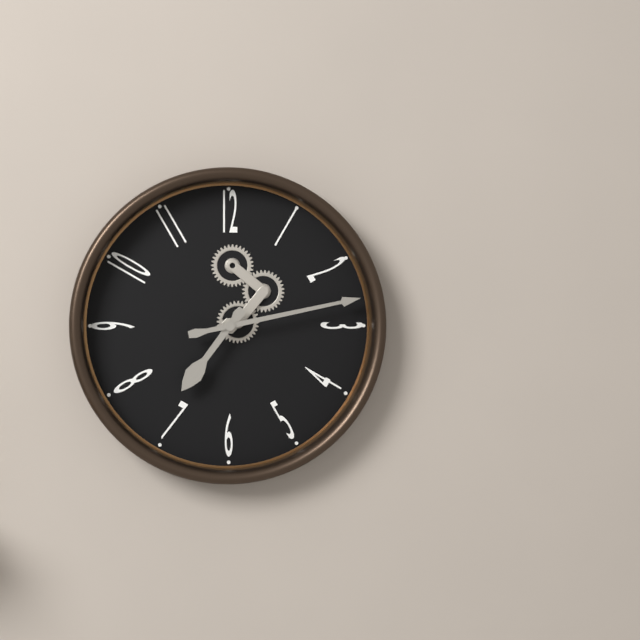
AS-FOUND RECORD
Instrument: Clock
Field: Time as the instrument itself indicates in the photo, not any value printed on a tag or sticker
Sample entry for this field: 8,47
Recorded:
7,13
